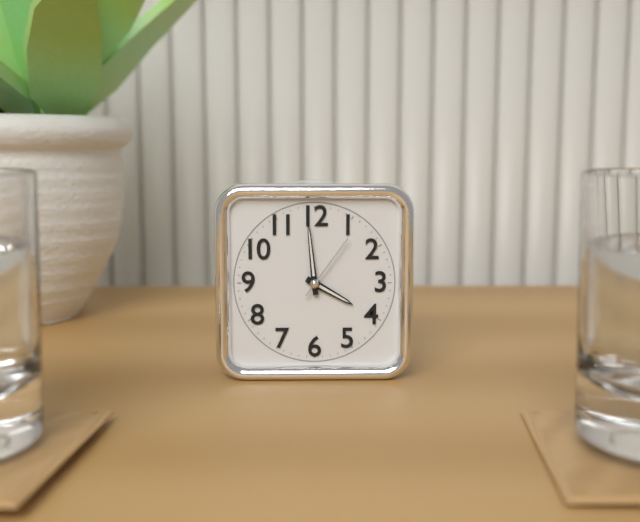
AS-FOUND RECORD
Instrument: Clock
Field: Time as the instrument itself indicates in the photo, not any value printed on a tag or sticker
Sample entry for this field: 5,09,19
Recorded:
3,59,06
